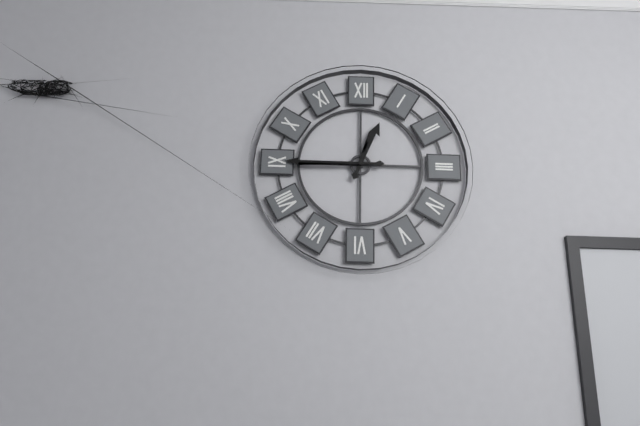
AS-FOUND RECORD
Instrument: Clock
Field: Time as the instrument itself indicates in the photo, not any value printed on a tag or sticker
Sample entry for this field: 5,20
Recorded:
12,45
